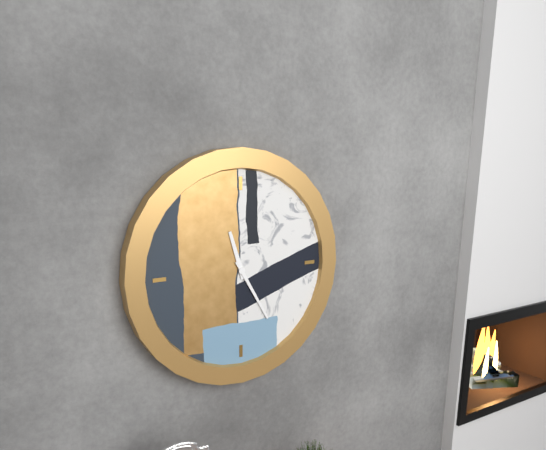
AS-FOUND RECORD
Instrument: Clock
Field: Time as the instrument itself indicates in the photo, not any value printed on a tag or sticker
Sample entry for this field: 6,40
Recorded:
11,25
